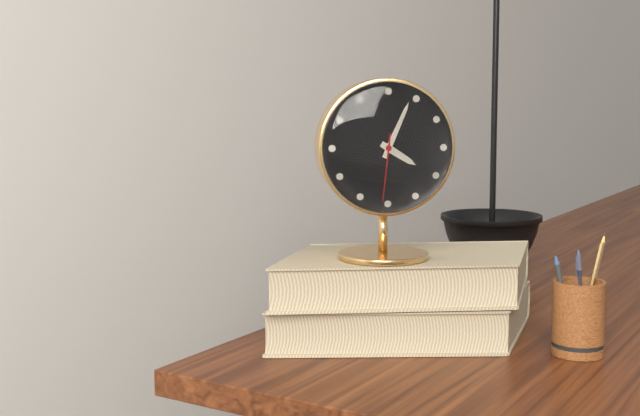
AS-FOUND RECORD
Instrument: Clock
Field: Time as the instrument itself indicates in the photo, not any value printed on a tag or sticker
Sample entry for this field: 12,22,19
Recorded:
4,04,31
